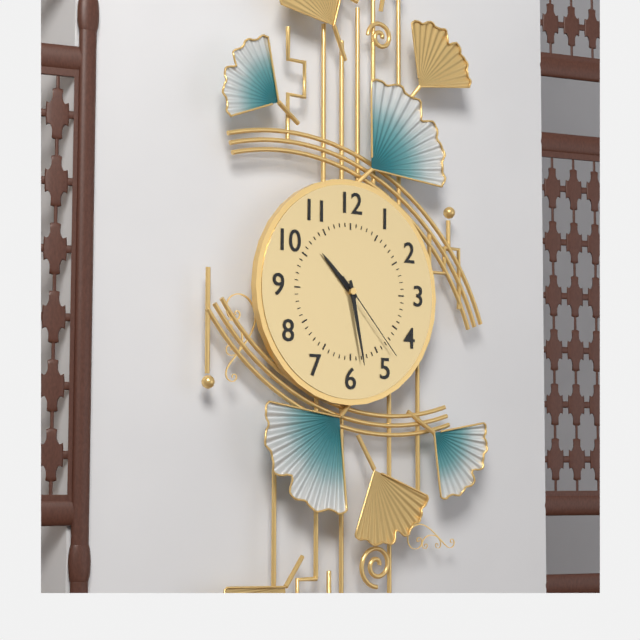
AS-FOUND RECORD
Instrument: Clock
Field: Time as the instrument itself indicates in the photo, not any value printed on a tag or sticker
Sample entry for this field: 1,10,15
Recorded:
10,28,23
